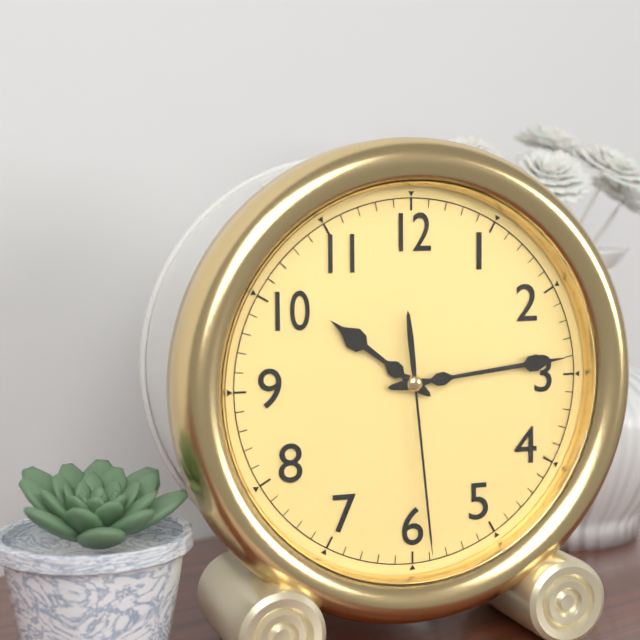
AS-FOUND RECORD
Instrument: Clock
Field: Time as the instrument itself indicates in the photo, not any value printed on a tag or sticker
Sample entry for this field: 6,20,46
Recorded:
10,14,29
